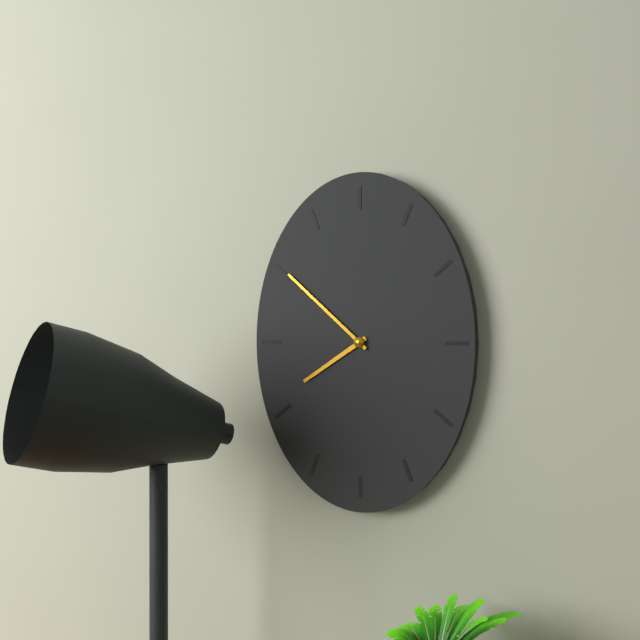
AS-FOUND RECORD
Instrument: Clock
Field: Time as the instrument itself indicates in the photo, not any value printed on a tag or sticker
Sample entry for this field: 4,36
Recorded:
7,52
